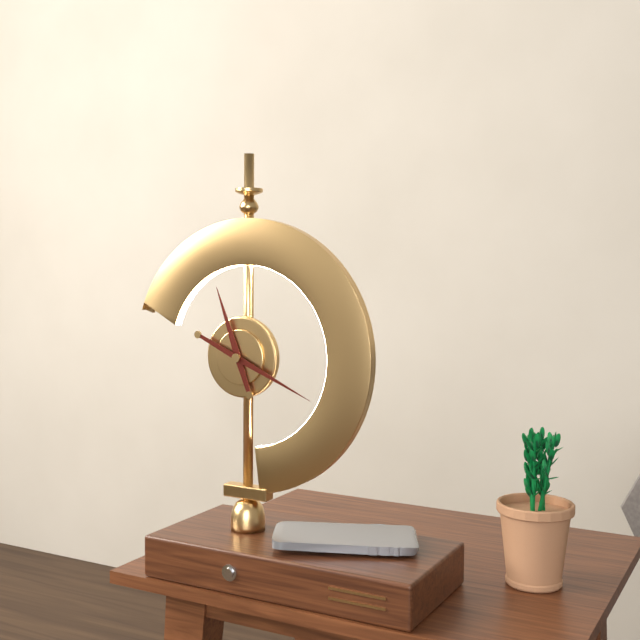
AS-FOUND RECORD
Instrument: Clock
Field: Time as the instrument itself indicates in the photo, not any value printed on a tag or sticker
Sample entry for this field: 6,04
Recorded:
11,19
